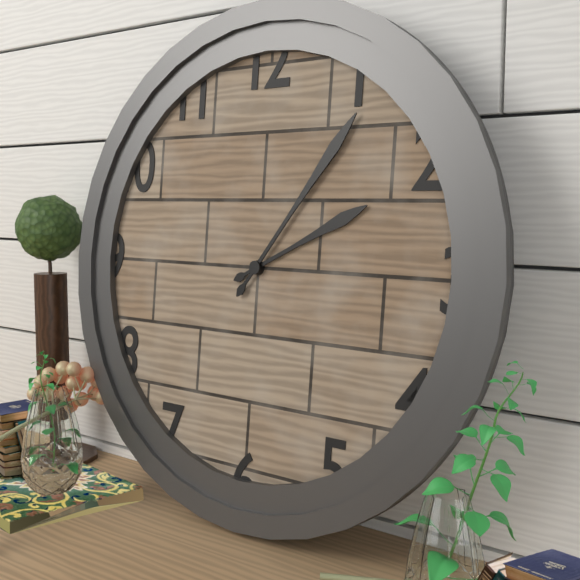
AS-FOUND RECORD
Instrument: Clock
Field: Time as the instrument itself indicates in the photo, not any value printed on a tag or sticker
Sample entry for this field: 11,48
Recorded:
2,06
